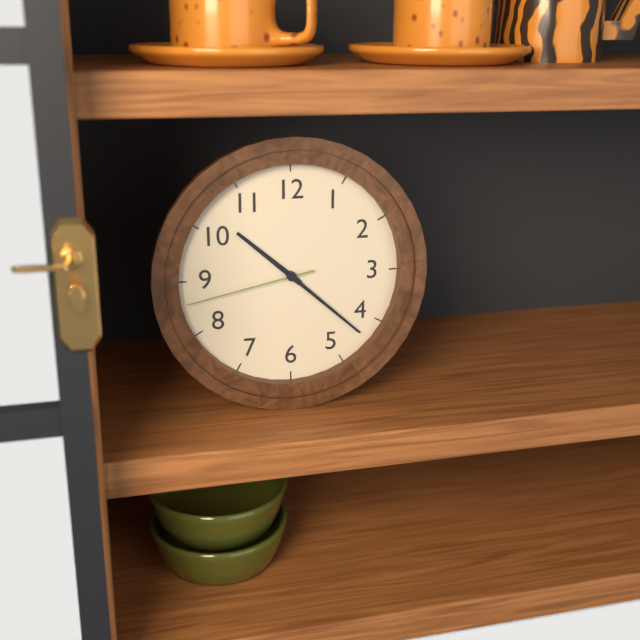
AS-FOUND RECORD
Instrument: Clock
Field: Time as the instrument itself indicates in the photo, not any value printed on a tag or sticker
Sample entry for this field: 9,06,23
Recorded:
10,22,43
